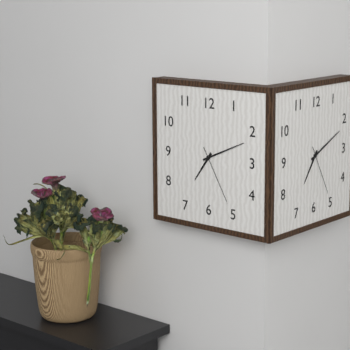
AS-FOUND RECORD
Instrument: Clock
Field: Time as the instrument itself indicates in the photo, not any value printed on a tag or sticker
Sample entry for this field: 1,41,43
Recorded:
7,11,25
